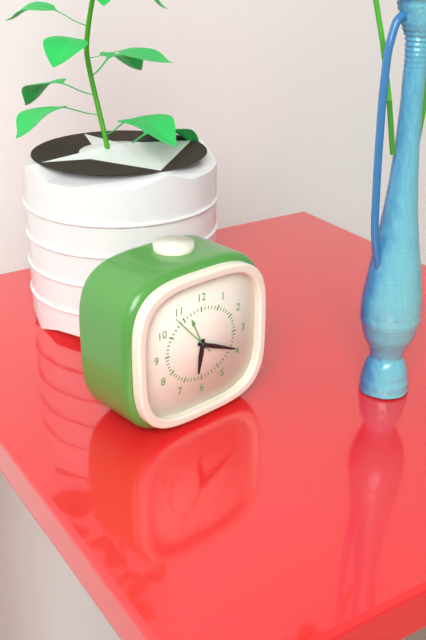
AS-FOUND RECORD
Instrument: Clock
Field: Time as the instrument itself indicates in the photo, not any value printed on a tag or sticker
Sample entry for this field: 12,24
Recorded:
6,19
